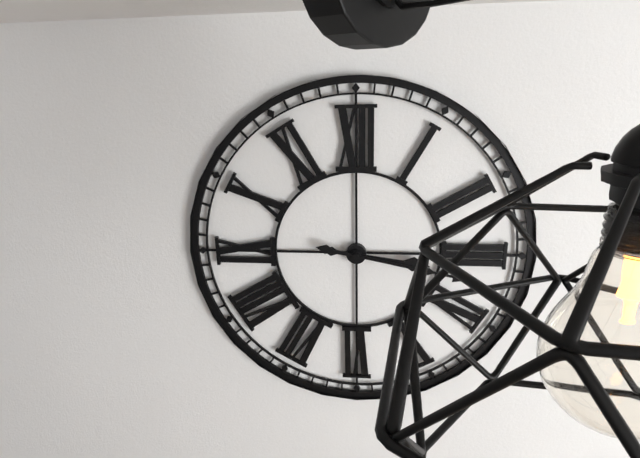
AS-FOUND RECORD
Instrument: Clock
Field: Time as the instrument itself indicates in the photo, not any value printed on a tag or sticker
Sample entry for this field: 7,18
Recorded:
3,17
